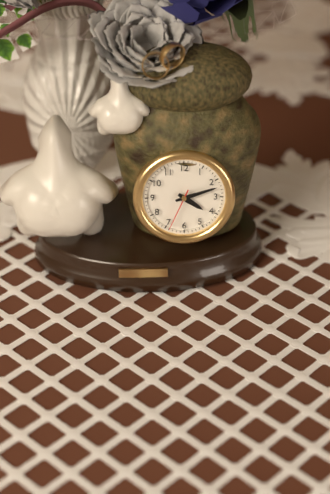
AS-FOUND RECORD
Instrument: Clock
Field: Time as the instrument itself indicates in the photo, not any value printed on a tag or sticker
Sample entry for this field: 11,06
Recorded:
4,12
